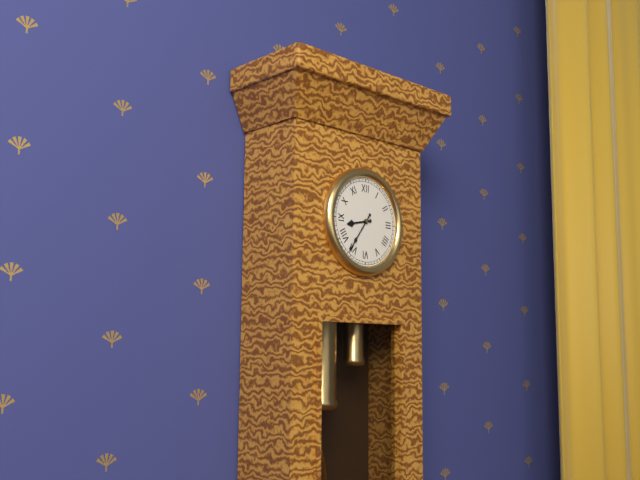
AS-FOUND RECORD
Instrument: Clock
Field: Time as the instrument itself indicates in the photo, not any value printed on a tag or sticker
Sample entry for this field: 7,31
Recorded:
8,36
